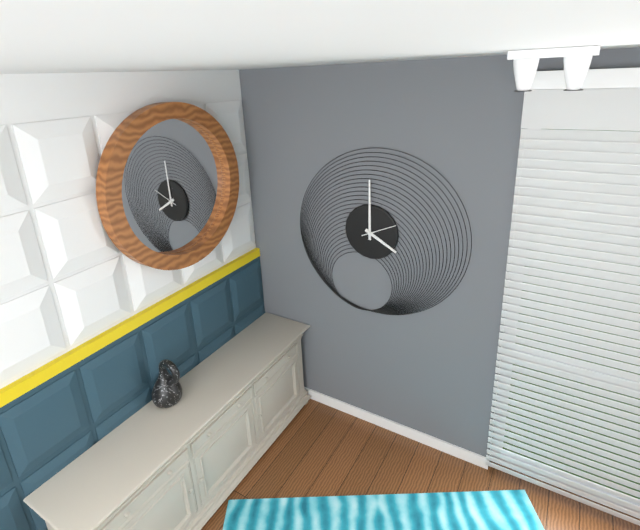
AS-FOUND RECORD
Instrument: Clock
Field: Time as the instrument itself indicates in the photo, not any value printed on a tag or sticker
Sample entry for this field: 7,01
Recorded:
4,00
